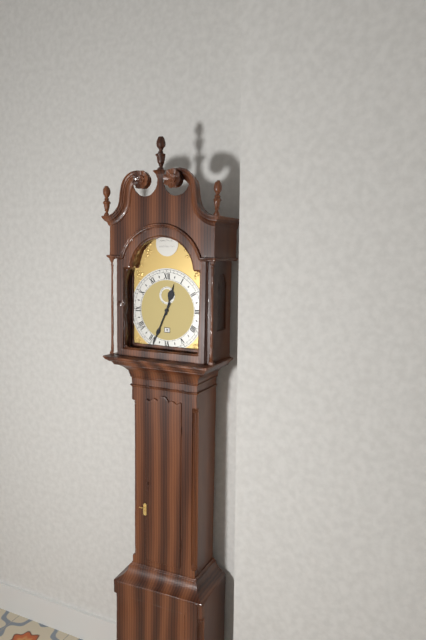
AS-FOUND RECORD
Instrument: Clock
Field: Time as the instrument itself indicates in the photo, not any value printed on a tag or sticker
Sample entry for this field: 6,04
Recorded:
12,34
